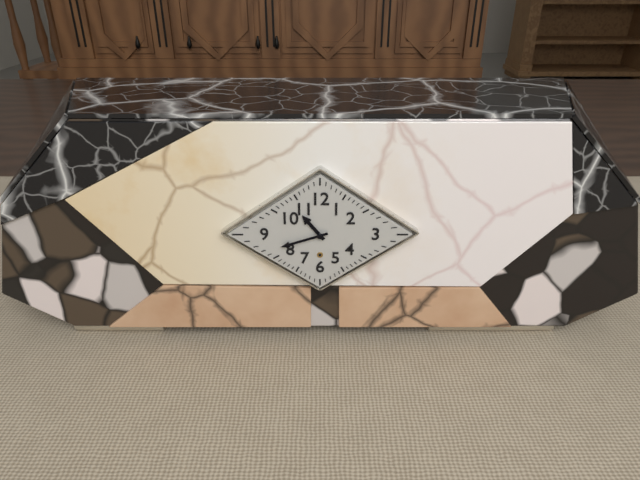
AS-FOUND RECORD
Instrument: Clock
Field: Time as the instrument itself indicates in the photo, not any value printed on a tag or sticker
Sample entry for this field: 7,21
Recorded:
10,42
